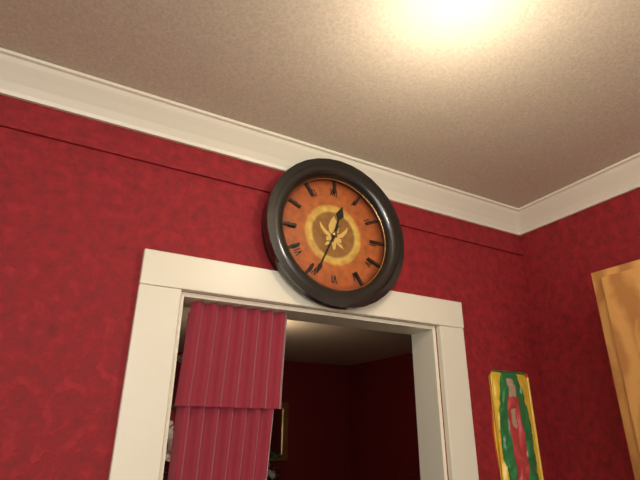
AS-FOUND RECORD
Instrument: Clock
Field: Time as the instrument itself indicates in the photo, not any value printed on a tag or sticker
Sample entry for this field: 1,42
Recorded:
12,34
